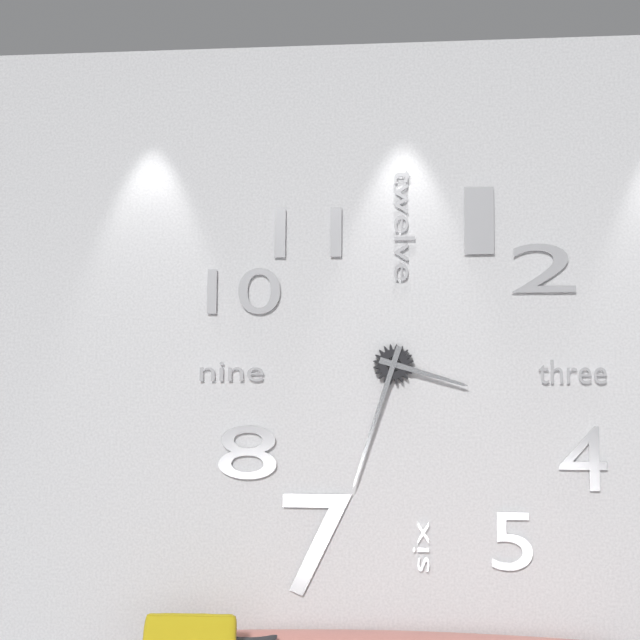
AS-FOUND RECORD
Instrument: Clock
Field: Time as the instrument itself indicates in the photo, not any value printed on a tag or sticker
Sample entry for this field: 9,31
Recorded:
3,33
